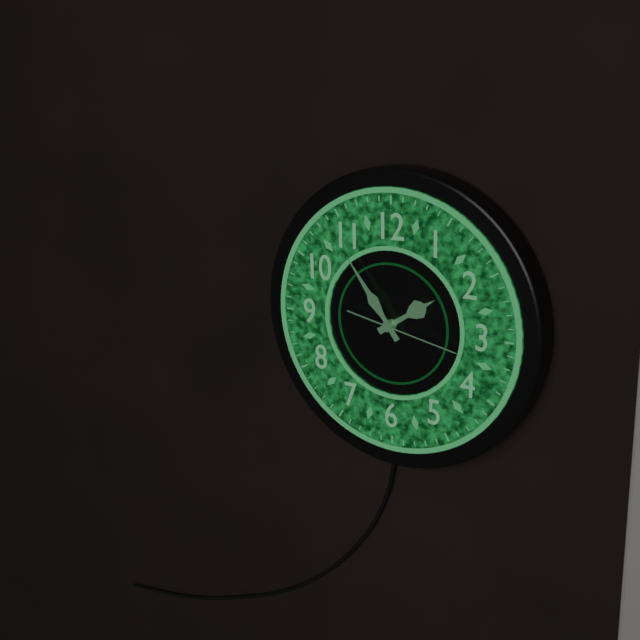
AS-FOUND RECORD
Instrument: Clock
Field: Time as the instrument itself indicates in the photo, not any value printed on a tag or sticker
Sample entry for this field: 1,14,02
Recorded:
1,54,17
